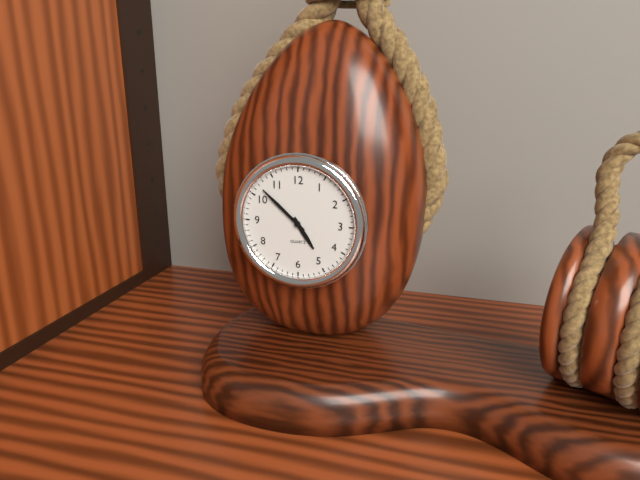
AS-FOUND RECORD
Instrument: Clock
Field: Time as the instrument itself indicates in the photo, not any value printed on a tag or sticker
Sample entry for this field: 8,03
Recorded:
4,52
